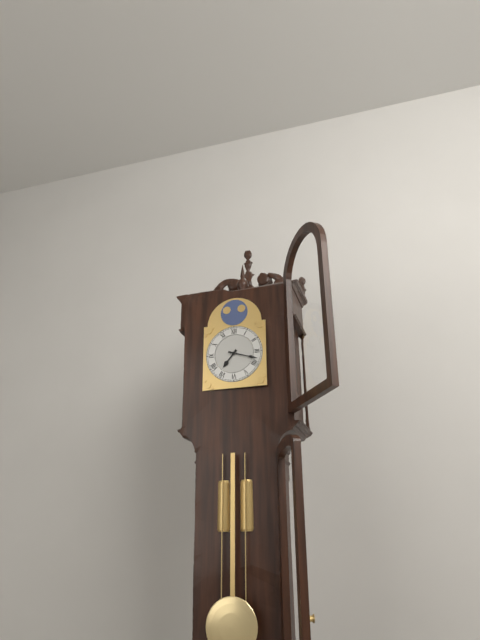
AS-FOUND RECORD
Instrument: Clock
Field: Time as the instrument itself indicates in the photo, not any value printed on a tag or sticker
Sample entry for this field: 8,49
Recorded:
7,18
